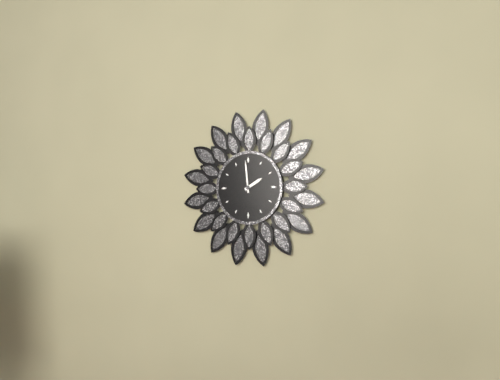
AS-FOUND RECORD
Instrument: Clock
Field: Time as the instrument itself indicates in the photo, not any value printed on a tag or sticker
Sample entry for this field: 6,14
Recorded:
1,59
